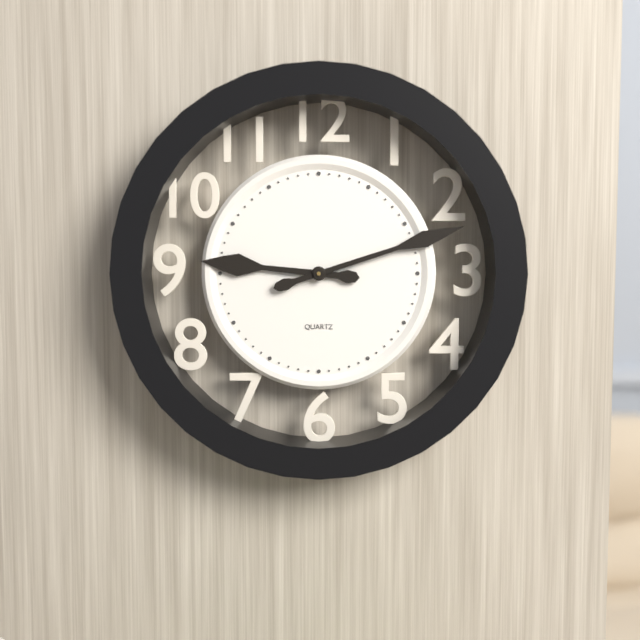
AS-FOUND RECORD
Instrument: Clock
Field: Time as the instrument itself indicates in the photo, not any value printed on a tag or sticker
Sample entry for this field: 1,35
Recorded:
9,12
